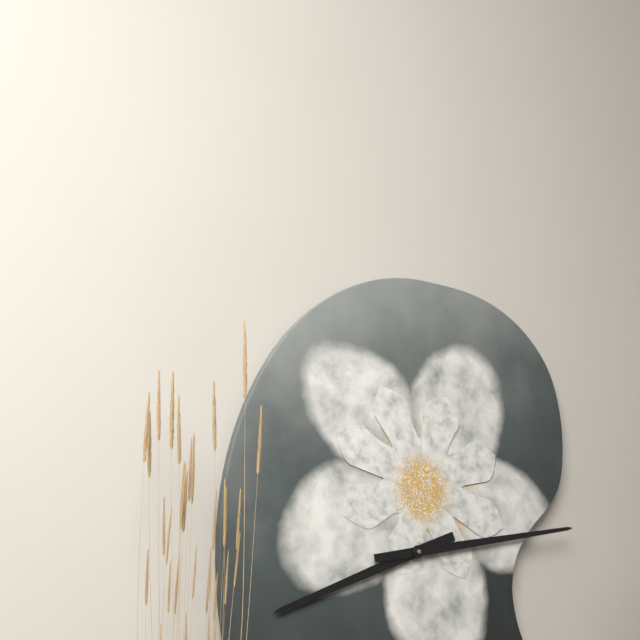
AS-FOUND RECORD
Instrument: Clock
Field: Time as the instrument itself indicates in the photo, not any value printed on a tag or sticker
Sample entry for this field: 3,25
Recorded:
8,13
